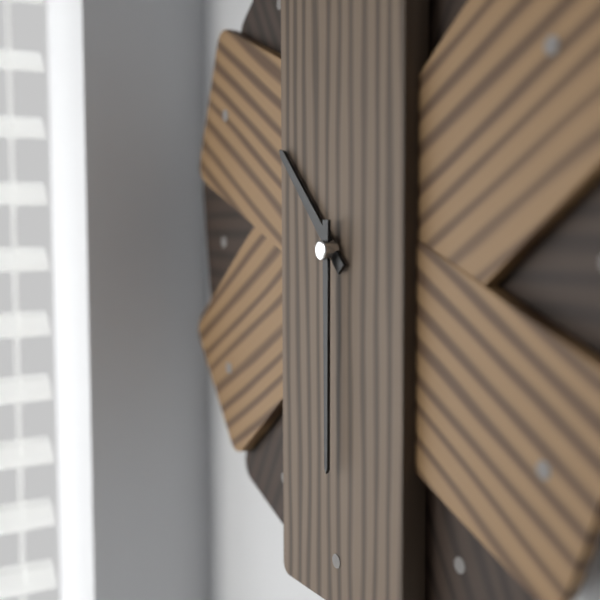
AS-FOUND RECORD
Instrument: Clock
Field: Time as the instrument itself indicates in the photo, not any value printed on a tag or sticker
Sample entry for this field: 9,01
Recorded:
10,30
